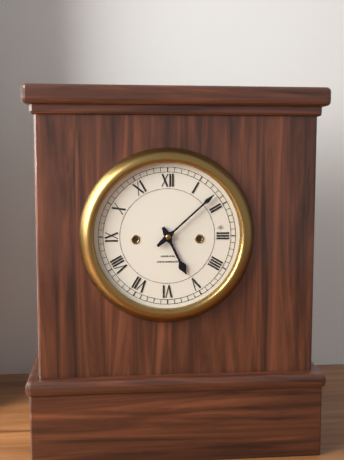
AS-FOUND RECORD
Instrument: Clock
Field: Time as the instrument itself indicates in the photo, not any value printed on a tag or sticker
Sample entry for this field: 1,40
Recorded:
5,08
